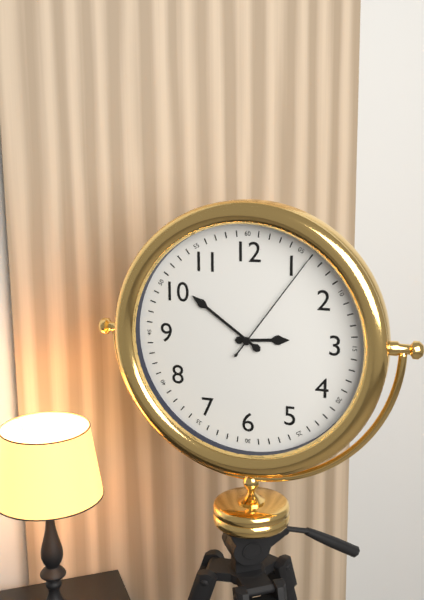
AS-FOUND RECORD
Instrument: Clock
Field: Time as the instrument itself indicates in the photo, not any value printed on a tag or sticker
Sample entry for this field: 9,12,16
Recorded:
2,51,06
